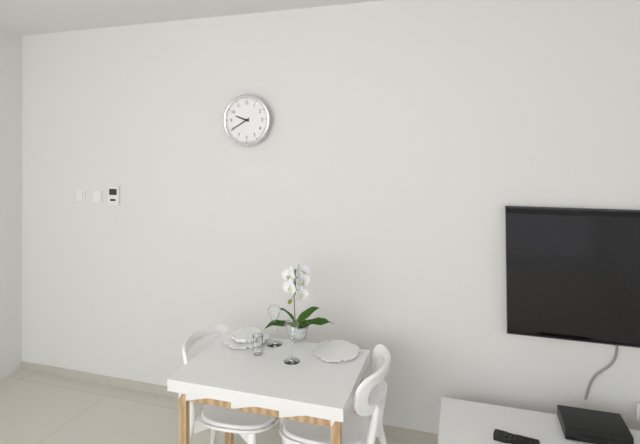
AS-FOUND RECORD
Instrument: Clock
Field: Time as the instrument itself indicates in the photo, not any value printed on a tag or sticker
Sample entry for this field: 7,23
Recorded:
9,40
